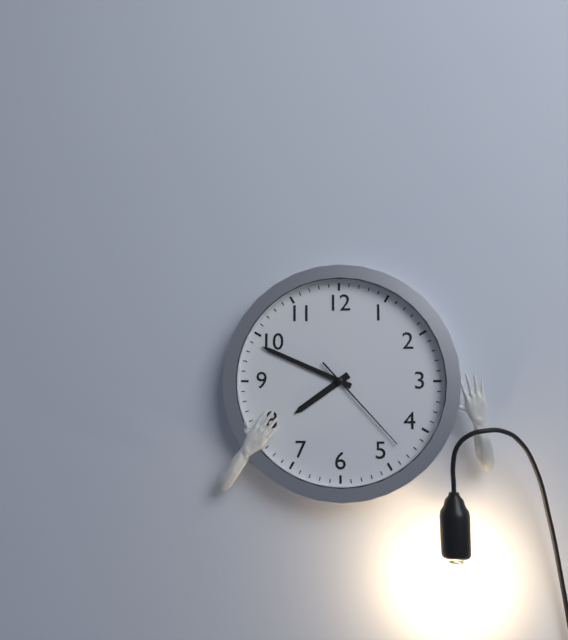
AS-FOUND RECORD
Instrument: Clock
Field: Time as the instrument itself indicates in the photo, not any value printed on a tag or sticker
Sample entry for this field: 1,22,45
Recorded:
7,49,23
